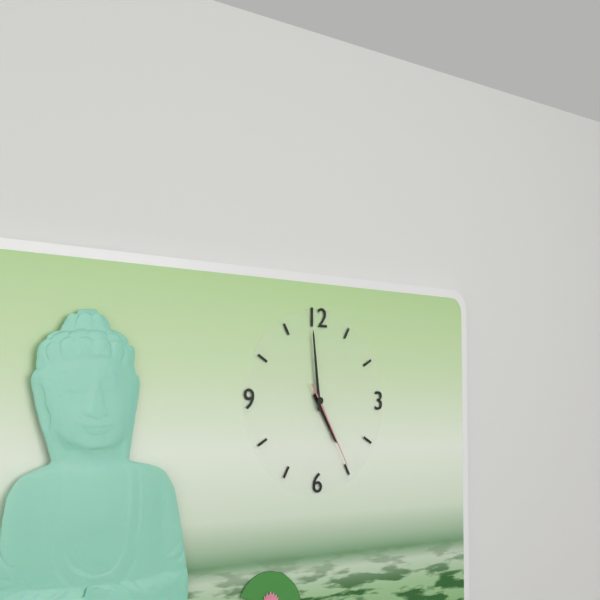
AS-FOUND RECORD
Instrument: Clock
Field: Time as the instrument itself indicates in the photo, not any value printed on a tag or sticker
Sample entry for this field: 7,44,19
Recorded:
4,59,25
